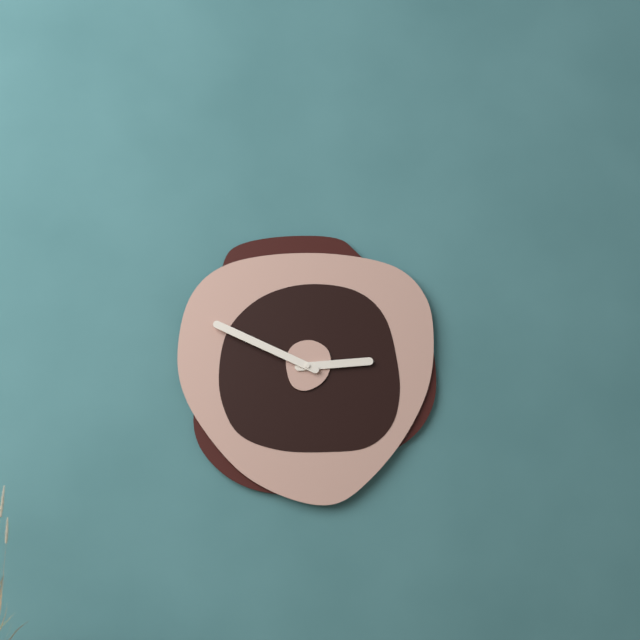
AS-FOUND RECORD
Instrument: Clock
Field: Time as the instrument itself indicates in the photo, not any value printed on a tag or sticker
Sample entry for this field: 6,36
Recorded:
2,49
